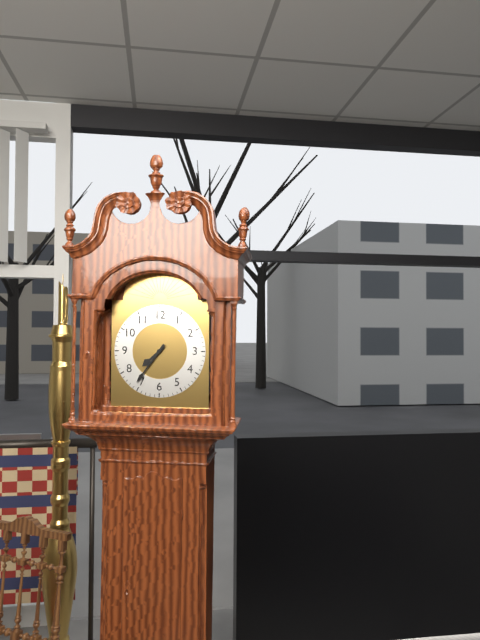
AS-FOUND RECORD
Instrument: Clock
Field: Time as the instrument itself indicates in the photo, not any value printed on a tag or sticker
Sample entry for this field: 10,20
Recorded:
7,36
